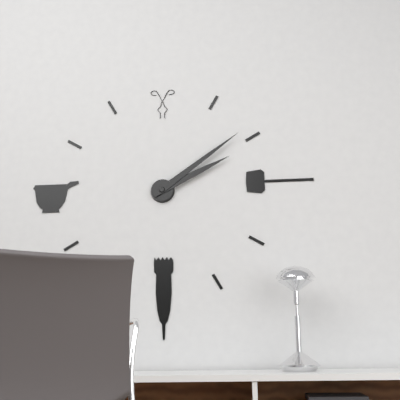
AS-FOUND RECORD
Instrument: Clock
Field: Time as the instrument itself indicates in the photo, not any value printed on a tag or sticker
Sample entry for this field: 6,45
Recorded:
2,09
